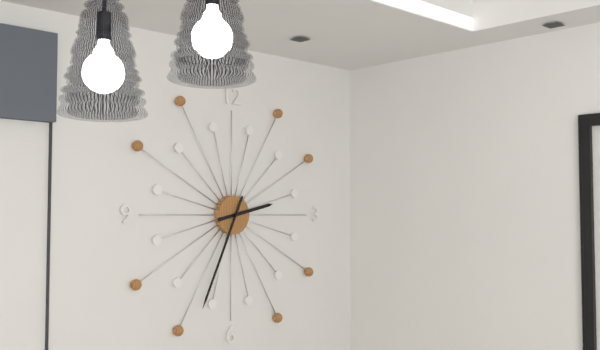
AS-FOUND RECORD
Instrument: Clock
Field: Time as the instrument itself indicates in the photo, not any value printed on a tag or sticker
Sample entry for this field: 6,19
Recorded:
2,34
